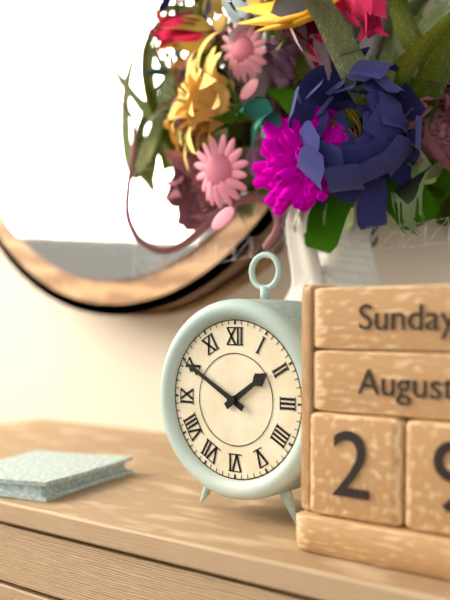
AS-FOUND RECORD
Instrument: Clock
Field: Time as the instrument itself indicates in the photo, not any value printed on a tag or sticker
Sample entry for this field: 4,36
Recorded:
1,50
